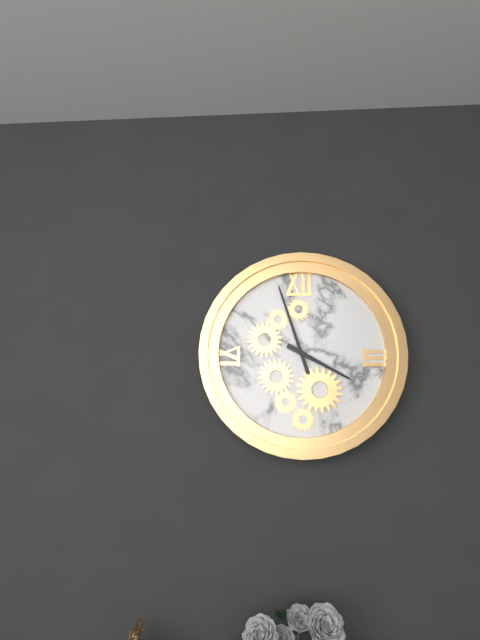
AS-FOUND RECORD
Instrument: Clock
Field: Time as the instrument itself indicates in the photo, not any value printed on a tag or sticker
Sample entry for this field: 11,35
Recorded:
3,57
